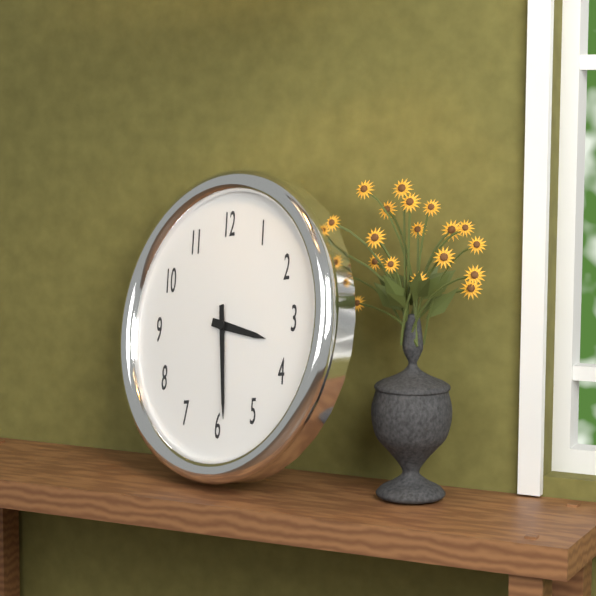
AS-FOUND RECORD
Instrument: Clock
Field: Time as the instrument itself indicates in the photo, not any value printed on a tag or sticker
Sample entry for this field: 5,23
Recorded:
3,29
